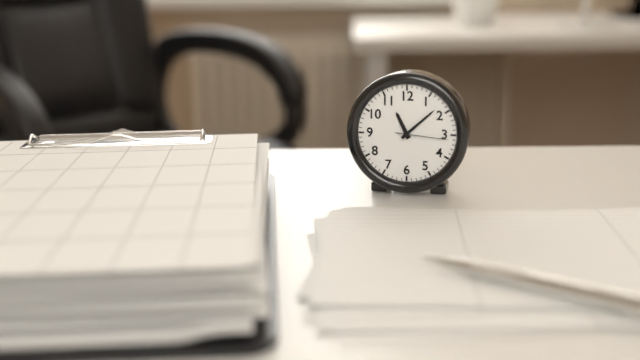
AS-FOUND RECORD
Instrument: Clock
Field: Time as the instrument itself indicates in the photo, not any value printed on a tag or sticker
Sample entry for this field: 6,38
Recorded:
11,08
